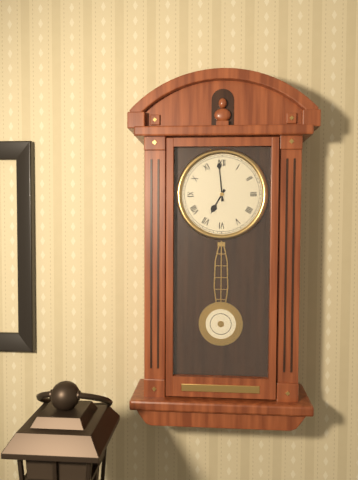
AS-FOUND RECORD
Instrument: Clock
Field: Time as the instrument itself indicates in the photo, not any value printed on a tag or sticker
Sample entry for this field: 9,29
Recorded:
6,59
